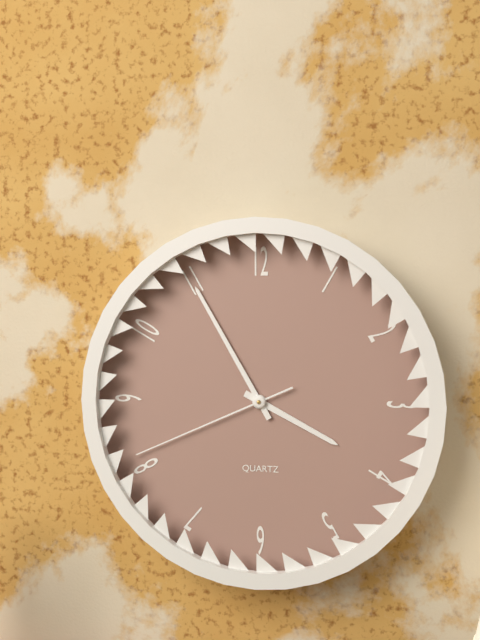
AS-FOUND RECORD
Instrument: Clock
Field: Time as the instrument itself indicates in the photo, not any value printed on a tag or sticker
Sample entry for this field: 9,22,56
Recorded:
3,55,41
